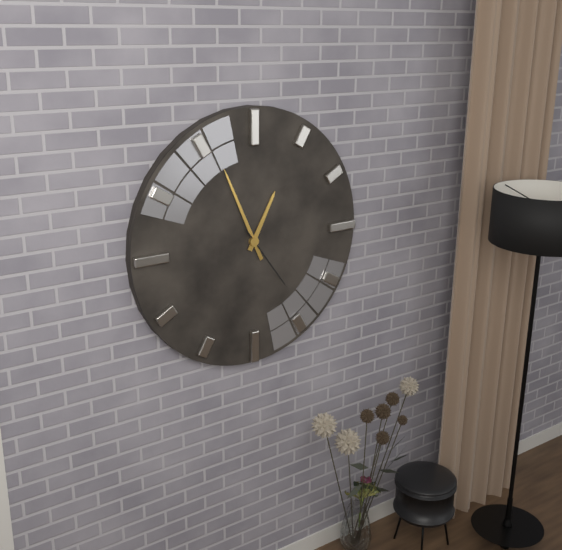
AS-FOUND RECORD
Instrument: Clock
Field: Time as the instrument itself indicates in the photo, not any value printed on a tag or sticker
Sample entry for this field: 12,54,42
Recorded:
12,56,24
